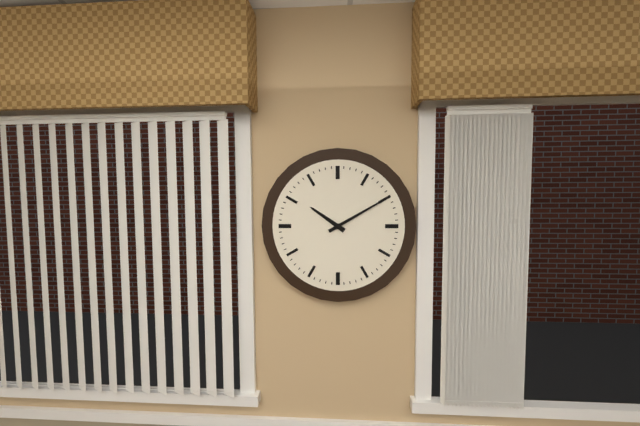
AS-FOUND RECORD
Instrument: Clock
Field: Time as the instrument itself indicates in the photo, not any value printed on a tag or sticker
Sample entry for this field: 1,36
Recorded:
10,10
